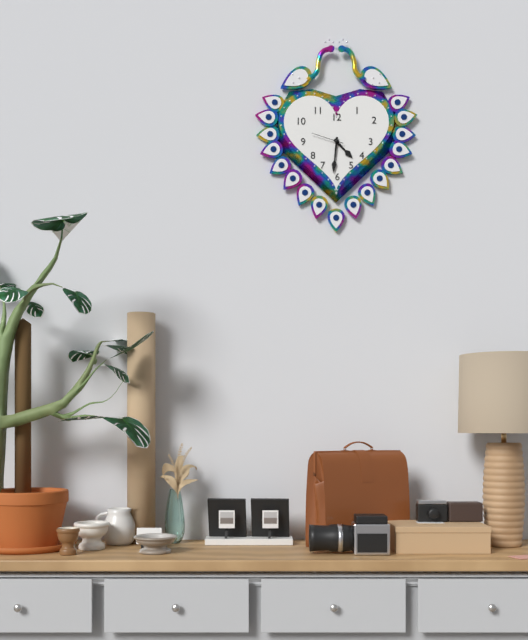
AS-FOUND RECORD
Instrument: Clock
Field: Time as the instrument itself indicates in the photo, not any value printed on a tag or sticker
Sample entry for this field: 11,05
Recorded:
4,31
